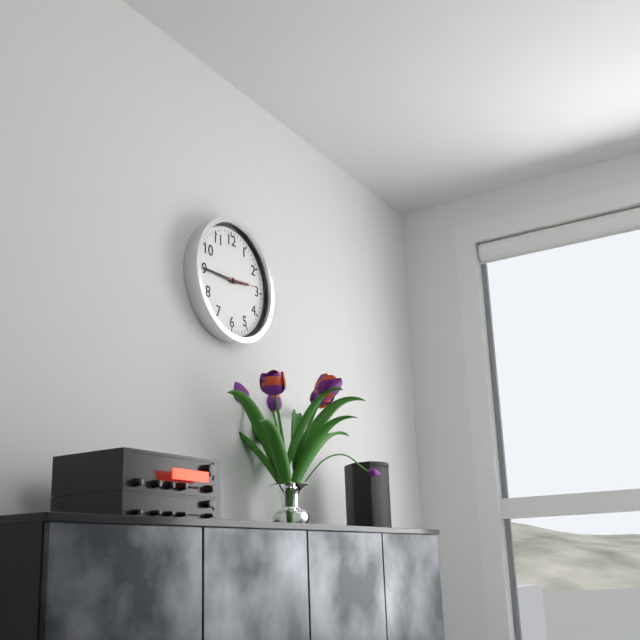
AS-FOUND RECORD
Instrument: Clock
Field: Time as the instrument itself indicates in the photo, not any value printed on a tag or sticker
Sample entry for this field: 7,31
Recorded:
2,45
